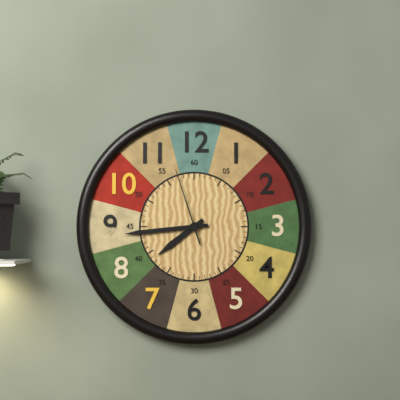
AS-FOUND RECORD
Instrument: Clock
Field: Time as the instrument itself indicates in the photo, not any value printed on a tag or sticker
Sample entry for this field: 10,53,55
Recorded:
7,44,57
